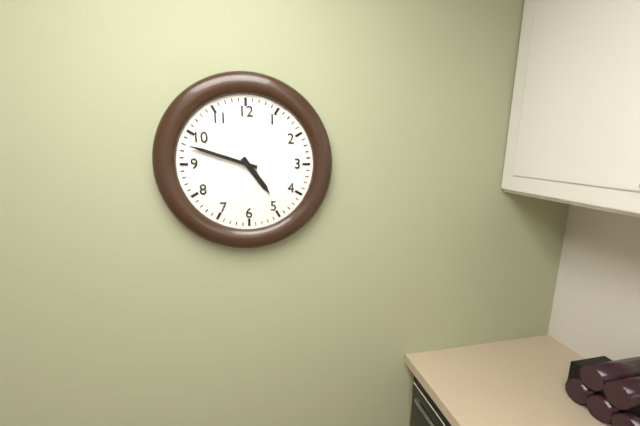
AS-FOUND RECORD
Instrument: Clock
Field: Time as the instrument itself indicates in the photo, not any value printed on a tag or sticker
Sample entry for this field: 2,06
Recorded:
4,48
